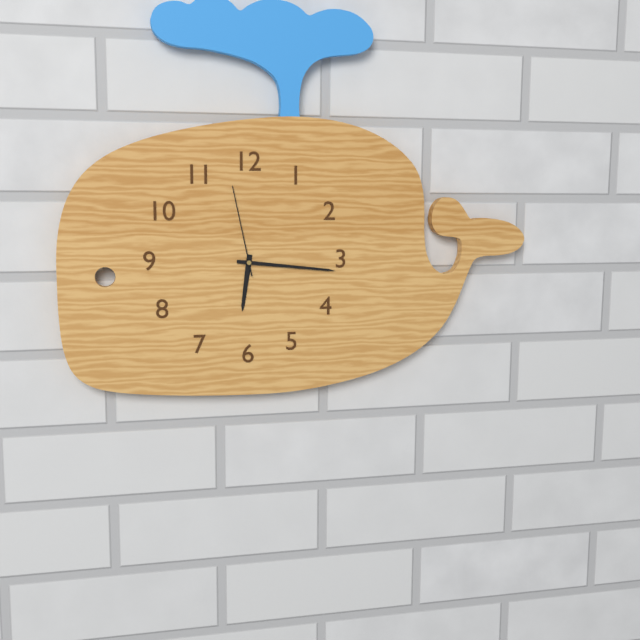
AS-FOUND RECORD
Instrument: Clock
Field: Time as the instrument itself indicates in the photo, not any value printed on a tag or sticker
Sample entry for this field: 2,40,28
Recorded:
6,16,58
